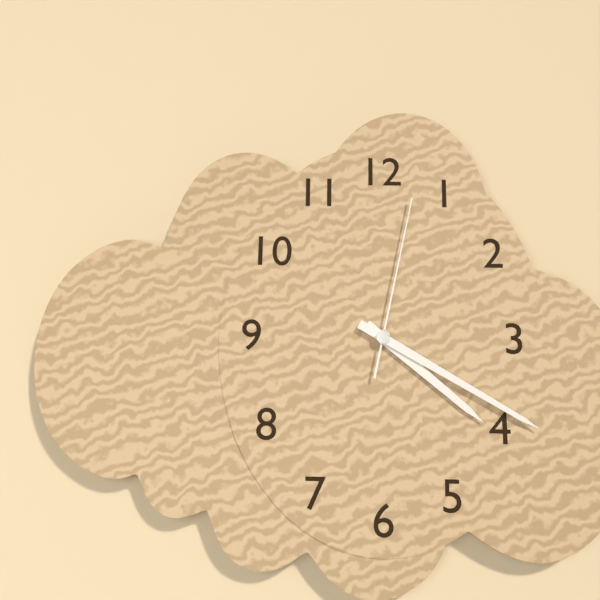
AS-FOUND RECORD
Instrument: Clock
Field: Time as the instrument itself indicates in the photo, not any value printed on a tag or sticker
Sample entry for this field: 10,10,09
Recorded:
4,20,02
